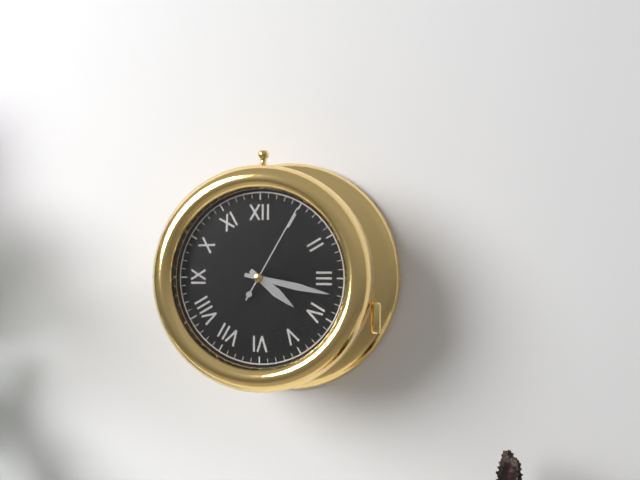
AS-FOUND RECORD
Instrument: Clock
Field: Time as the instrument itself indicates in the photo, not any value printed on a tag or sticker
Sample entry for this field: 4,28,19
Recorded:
4,17,05
